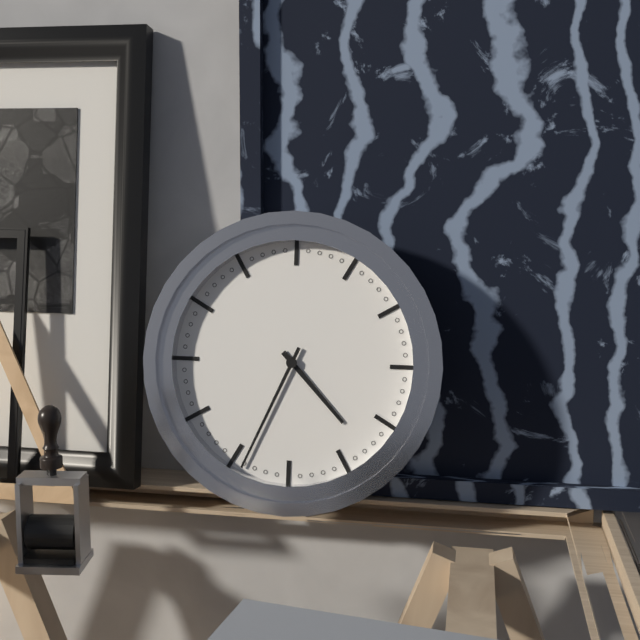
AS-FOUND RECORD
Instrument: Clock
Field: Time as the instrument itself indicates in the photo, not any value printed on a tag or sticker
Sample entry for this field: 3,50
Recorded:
4,34
